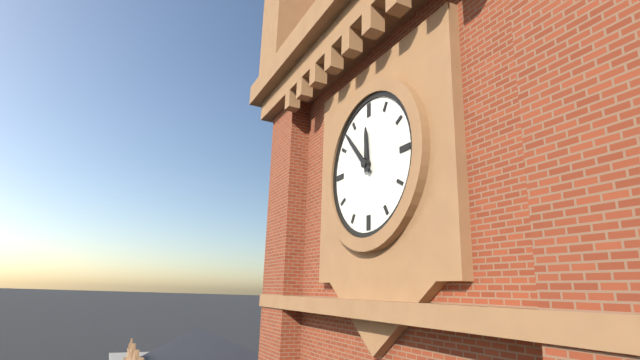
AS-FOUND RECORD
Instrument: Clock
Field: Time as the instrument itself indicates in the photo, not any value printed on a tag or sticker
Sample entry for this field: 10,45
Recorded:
11,53
